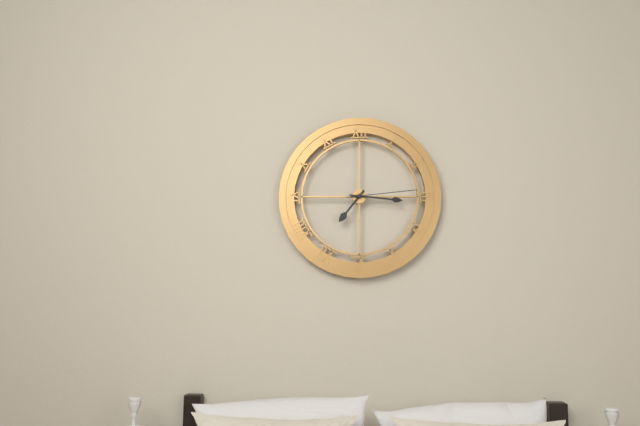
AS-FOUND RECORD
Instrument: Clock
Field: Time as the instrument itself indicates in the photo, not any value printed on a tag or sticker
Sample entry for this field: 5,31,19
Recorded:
7,16,14
